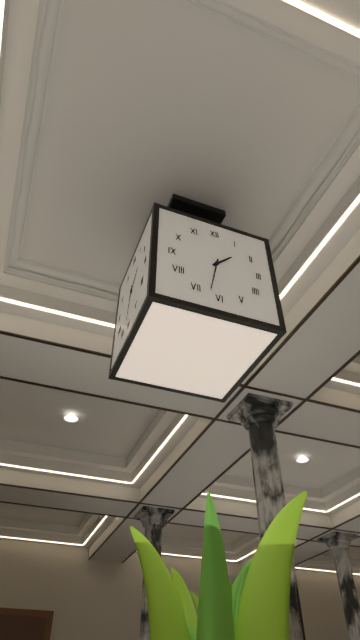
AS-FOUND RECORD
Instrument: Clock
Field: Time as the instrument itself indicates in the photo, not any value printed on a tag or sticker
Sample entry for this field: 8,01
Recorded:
1,32
